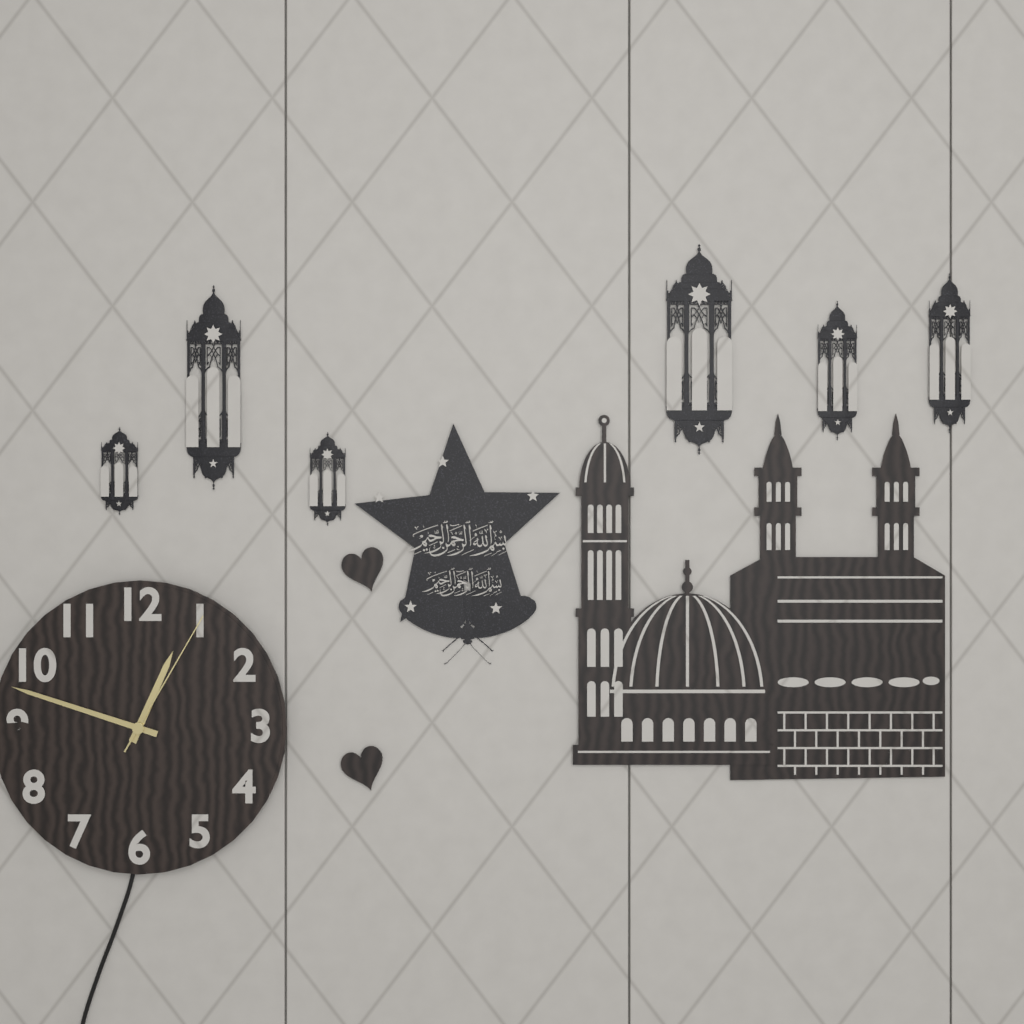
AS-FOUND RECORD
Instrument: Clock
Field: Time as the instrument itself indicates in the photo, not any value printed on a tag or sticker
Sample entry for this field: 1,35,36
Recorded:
12,48,05
